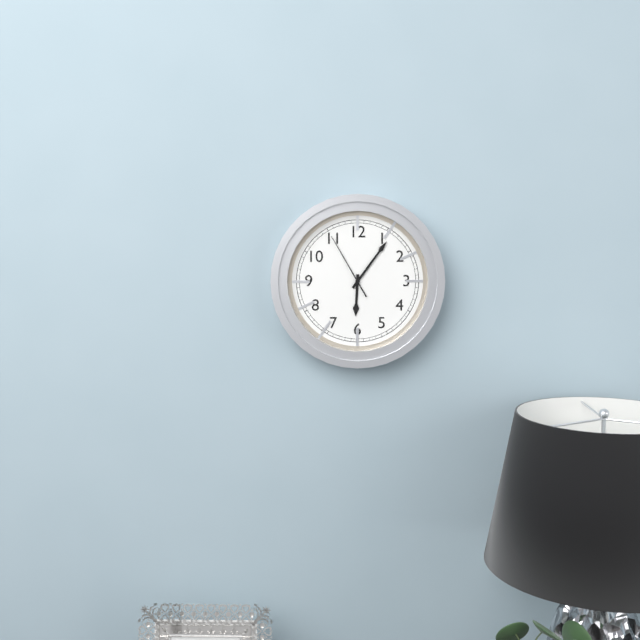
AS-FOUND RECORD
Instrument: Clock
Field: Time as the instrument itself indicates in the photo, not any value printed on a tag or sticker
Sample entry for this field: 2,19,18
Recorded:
6,06,55
